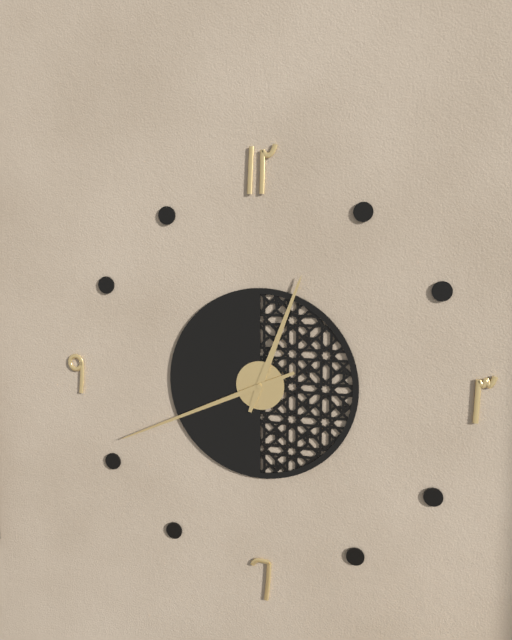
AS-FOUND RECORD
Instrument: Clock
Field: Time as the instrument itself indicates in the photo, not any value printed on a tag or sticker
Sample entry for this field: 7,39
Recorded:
12,41
